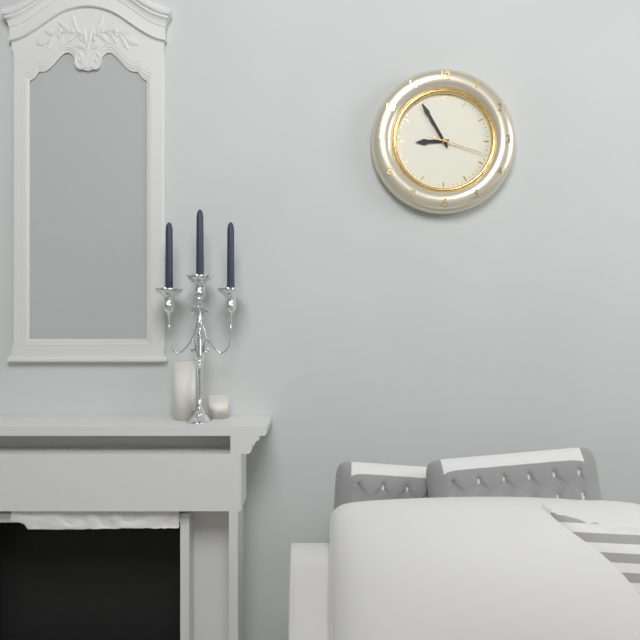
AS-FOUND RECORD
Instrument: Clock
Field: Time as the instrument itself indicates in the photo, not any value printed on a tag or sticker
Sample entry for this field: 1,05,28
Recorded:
8,55,18
